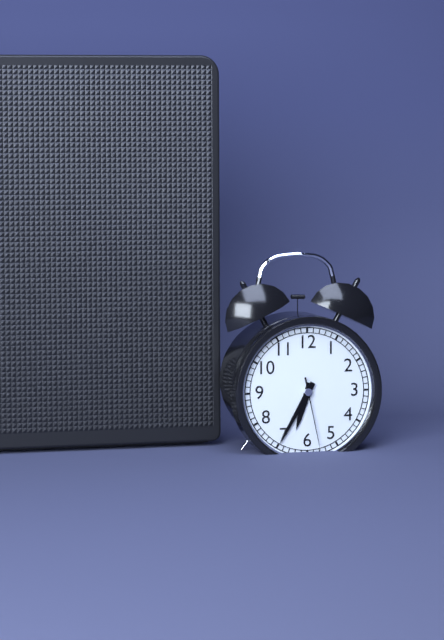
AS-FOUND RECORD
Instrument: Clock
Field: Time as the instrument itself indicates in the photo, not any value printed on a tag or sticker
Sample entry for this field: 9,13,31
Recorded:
6,35,28
